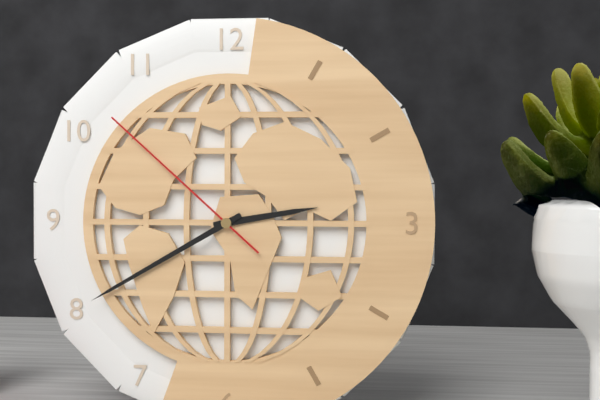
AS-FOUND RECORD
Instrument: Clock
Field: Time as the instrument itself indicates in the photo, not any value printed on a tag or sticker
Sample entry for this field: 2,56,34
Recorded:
2,40,52
